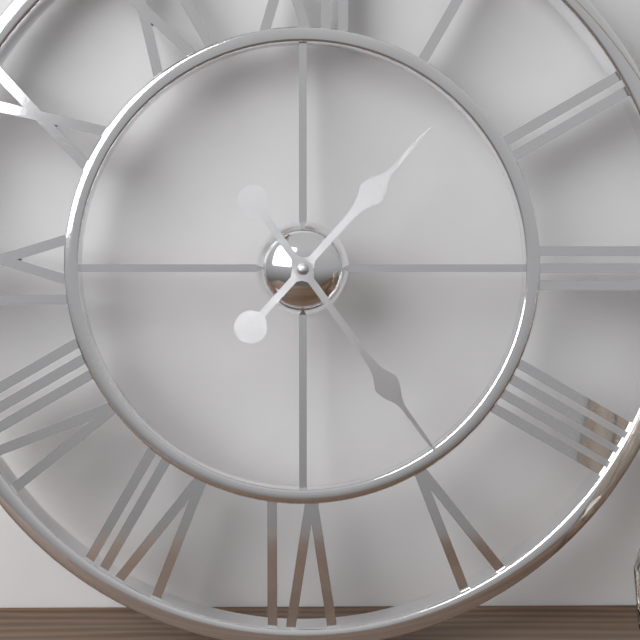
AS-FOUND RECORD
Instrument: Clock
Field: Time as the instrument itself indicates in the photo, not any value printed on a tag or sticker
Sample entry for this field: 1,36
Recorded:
1,24
